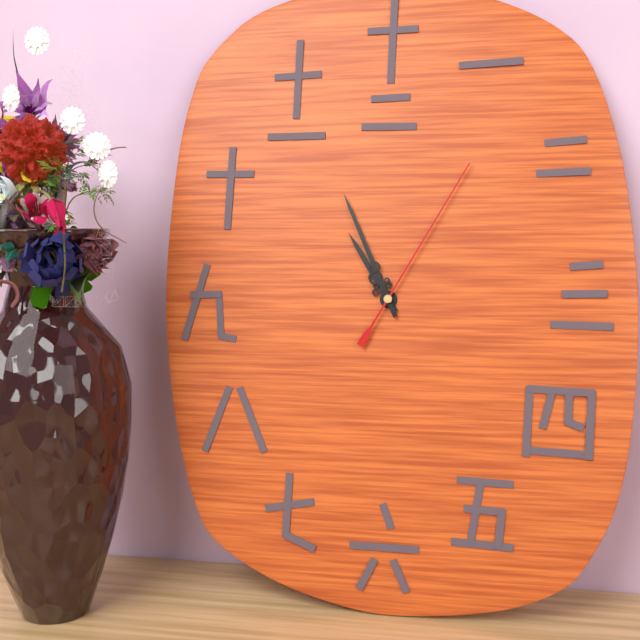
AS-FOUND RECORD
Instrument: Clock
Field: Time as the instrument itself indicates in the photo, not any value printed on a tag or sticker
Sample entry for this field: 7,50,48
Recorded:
10,56,05
